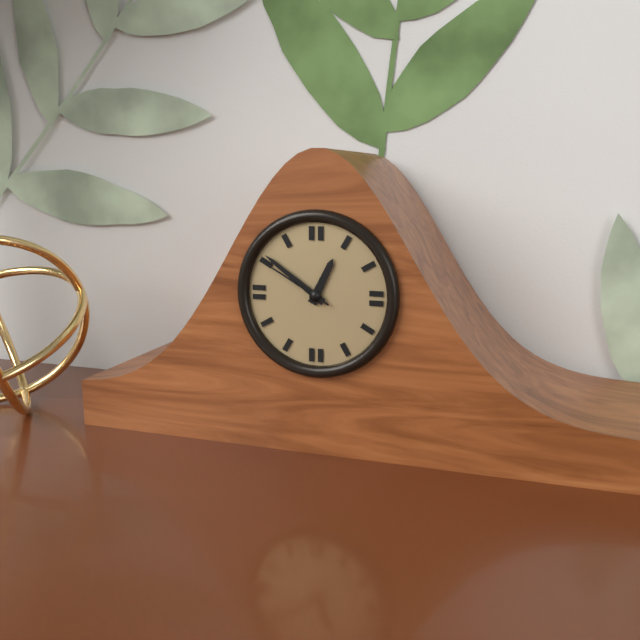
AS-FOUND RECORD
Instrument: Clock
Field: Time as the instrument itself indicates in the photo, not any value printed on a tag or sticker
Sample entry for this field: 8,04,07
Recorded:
12,51,50
